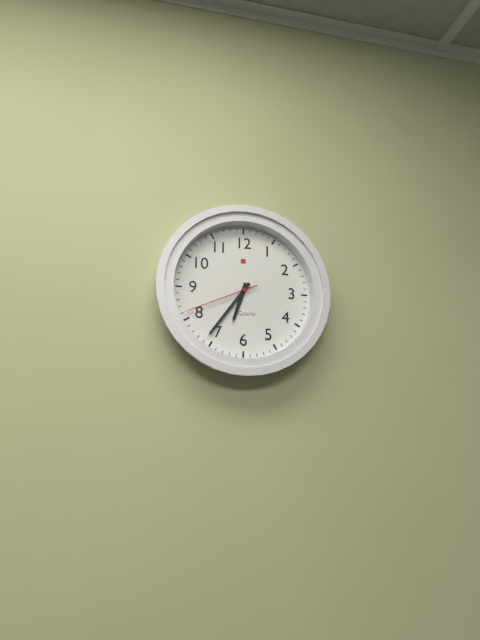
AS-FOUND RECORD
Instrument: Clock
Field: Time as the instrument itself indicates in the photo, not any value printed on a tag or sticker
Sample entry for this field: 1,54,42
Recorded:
6,36,41
